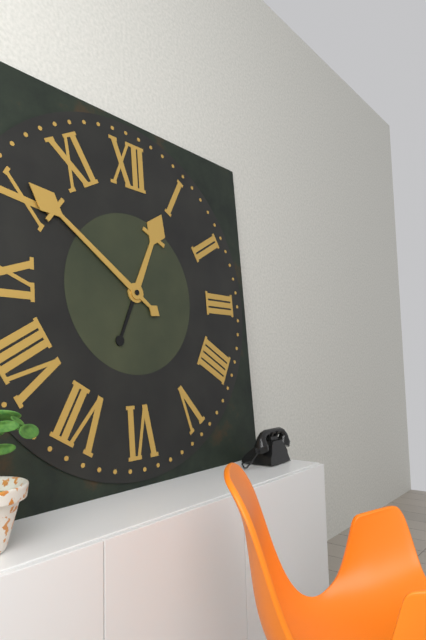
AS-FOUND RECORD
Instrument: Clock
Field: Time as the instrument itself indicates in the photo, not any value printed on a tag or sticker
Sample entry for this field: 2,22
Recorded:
12,51
